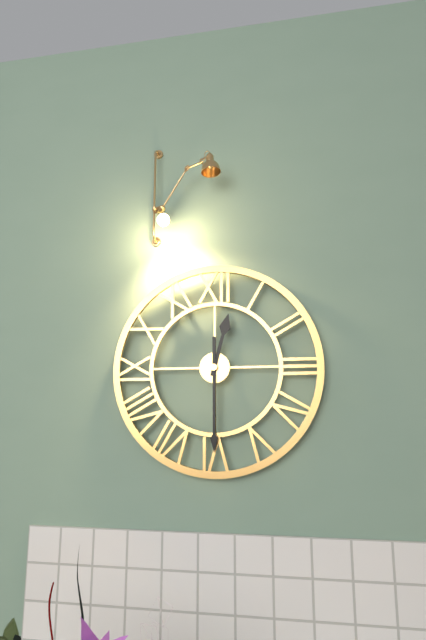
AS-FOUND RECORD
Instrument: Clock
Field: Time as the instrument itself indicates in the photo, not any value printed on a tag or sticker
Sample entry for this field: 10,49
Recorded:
12,30
